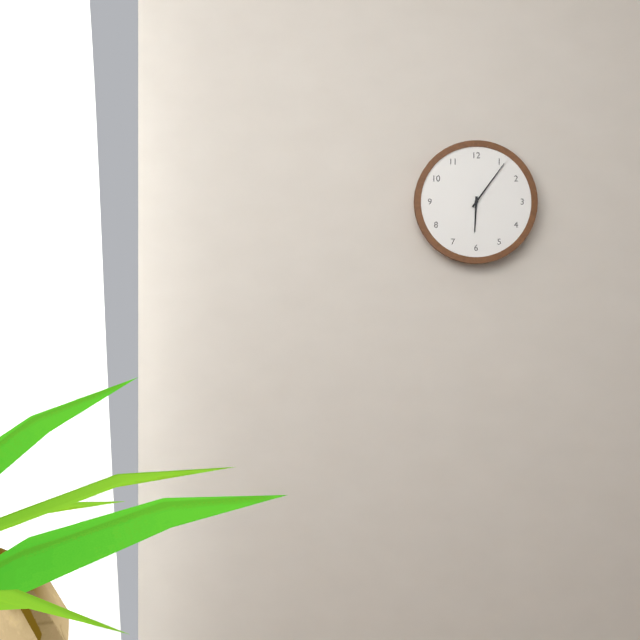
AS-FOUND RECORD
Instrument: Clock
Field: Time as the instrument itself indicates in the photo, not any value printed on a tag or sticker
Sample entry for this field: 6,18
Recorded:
6,06
